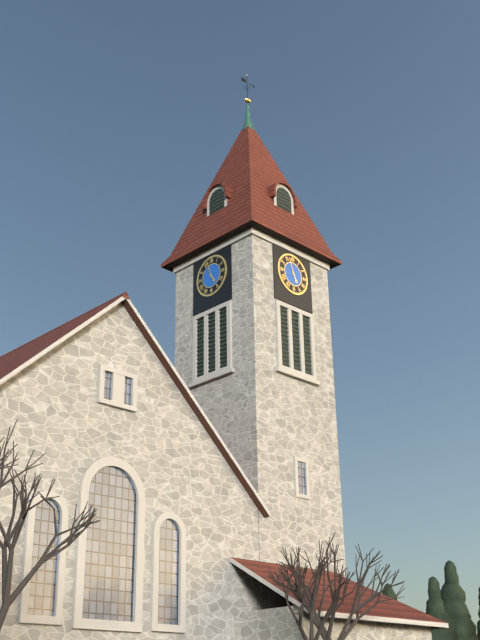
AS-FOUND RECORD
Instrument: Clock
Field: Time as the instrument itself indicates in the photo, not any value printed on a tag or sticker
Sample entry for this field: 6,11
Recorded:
4,57
